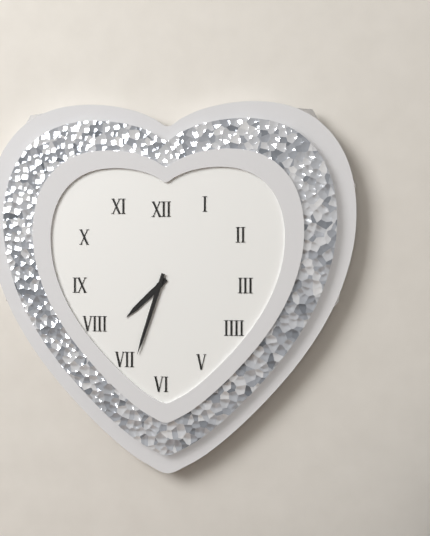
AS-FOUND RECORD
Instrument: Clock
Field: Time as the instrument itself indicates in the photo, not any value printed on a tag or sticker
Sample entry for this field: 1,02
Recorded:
7,33
